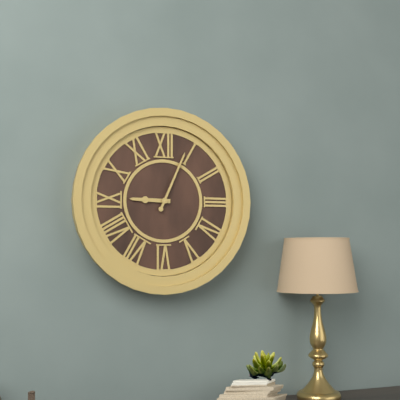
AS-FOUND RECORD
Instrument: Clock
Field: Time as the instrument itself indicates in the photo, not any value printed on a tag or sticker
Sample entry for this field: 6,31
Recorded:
9,04
